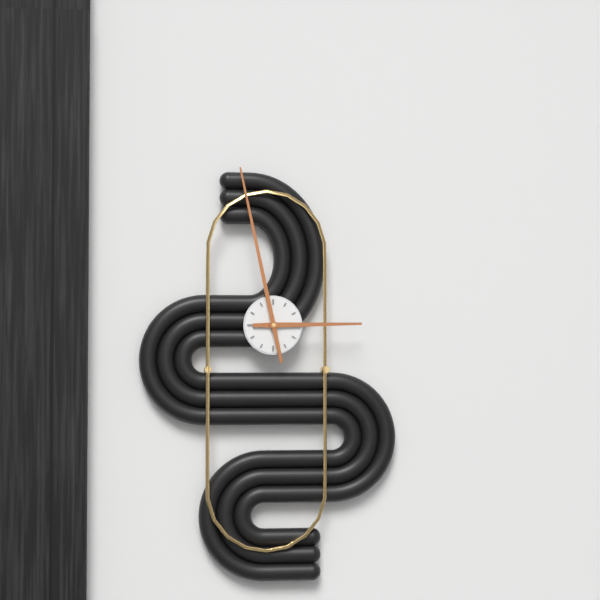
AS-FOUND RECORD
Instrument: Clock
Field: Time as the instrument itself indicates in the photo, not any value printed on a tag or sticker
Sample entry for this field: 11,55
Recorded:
2,58
